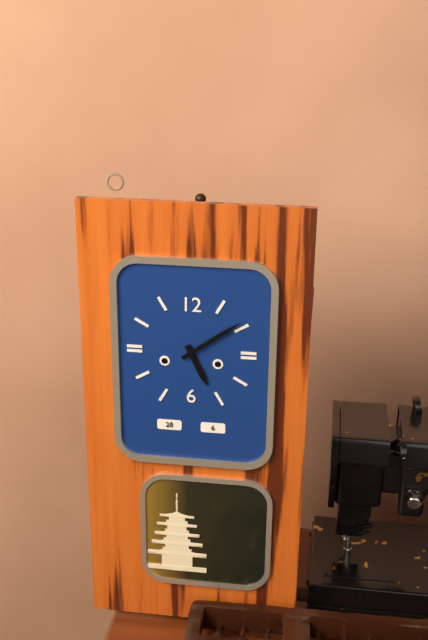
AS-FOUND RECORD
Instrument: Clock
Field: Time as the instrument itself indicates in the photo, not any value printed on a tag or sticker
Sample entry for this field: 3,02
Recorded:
5,09
